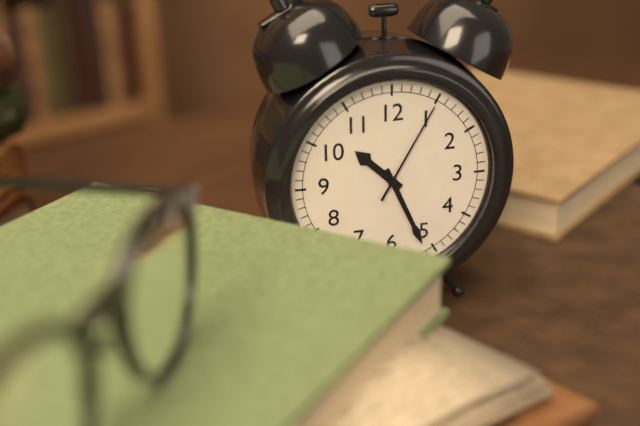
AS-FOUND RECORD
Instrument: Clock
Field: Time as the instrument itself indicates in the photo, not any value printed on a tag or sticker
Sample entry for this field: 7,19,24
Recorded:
10,26,05
